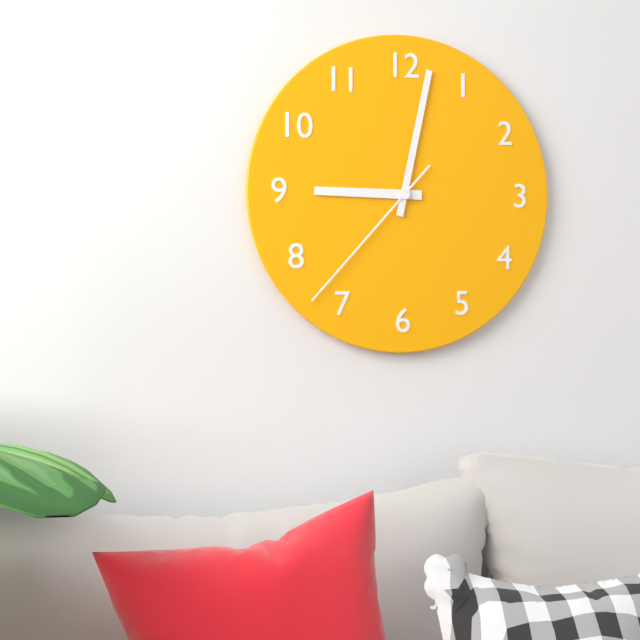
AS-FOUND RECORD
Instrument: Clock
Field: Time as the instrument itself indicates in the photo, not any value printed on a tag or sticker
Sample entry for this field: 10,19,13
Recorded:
9,02,37
